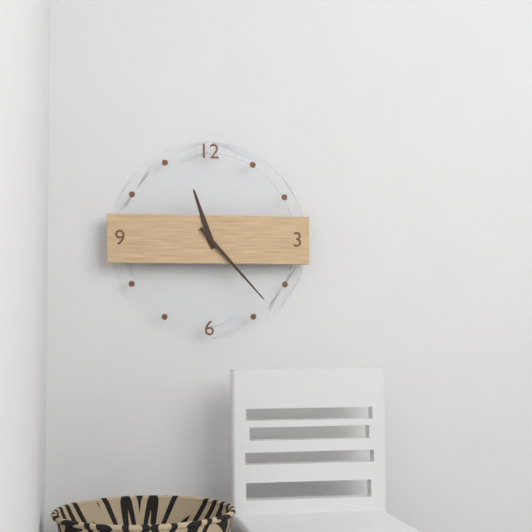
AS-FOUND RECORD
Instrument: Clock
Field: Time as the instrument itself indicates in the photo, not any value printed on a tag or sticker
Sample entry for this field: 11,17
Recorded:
11,23
